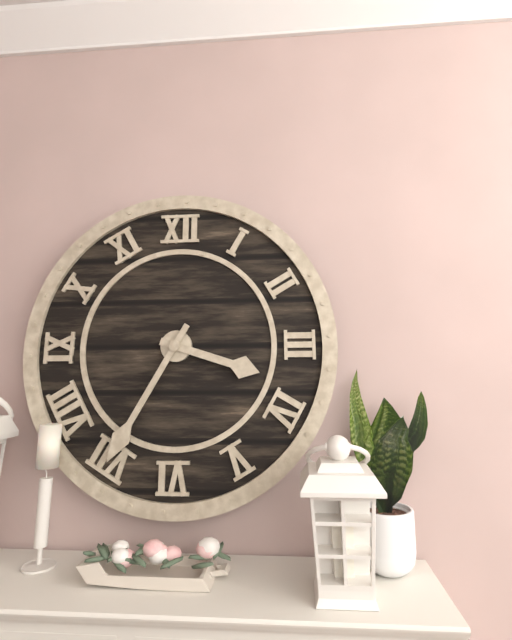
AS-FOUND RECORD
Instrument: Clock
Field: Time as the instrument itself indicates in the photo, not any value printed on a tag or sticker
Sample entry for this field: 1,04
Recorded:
3,35
